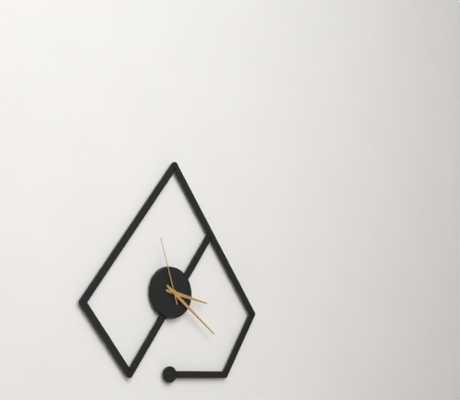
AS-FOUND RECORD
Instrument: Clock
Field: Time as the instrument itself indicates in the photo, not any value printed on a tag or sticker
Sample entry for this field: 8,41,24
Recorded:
3,21,57
